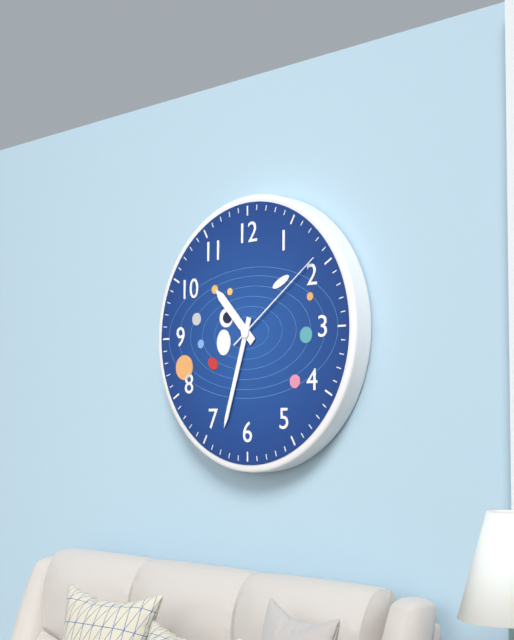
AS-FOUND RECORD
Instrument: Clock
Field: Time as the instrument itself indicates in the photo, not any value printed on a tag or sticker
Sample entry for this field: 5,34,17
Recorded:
10,33,09
